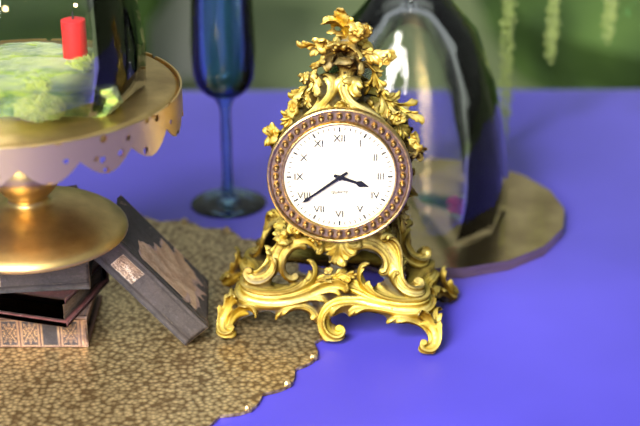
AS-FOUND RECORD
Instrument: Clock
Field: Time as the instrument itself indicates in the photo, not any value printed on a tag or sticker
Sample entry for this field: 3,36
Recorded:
3,39
